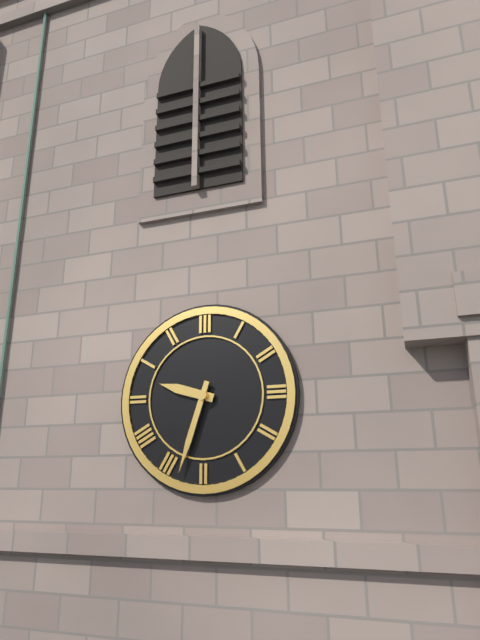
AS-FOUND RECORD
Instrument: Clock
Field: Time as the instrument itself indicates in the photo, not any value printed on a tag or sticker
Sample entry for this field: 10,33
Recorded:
9,33
